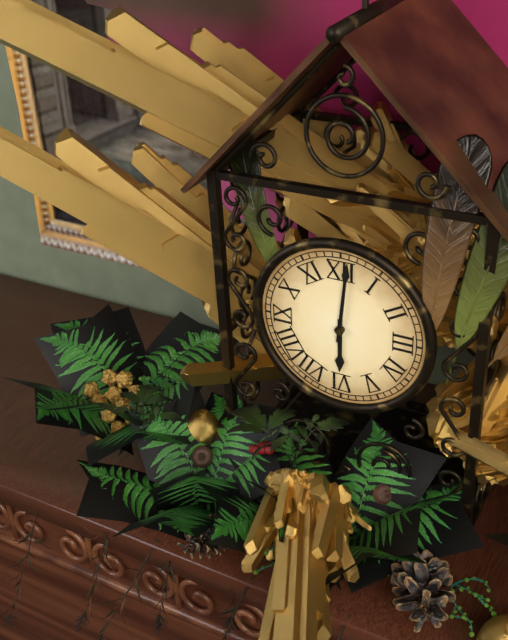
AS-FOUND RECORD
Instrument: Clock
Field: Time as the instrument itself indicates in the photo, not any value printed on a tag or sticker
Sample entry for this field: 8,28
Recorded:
6,01
